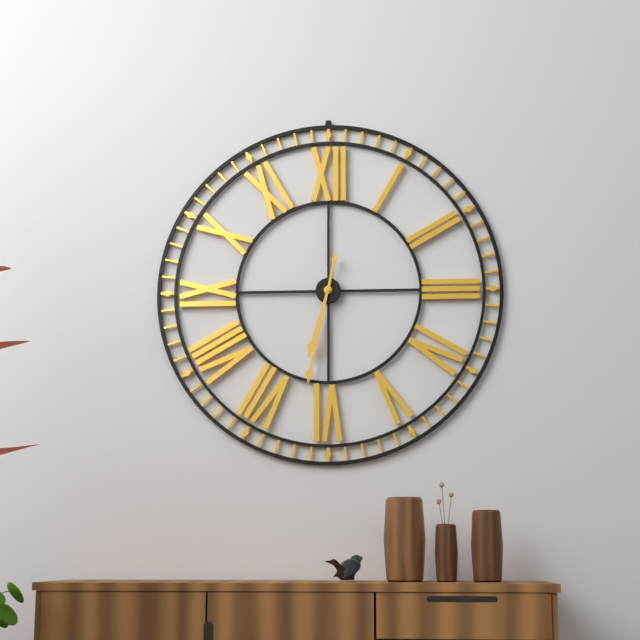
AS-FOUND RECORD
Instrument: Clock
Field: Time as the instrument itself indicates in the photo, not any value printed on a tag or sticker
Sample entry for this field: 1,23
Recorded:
6,32
